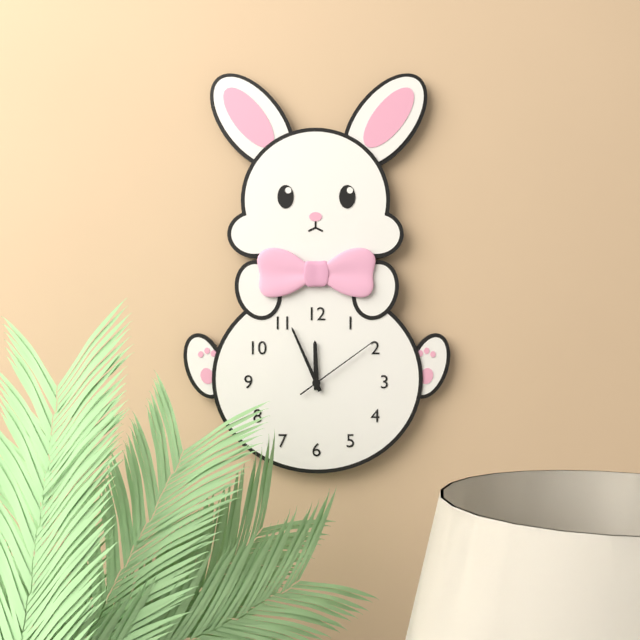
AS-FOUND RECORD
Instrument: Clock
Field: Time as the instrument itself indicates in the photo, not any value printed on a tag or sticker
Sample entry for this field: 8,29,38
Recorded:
11,56,09
